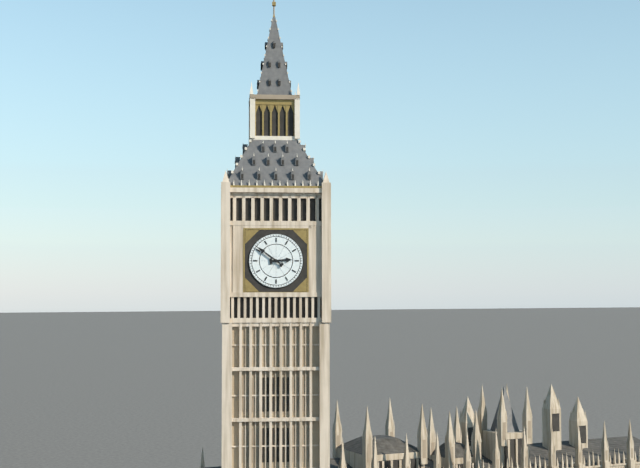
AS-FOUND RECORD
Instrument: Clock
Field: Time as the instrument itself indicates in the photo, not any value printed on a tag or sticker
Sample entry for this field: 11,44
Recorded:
2,51
